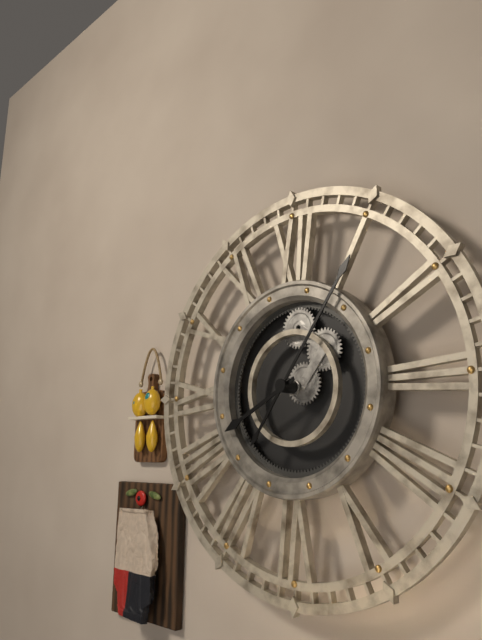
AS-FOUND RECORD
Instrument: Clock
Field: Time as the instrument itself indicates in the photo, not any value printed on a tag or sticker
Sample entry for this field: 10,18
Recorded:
8,06
